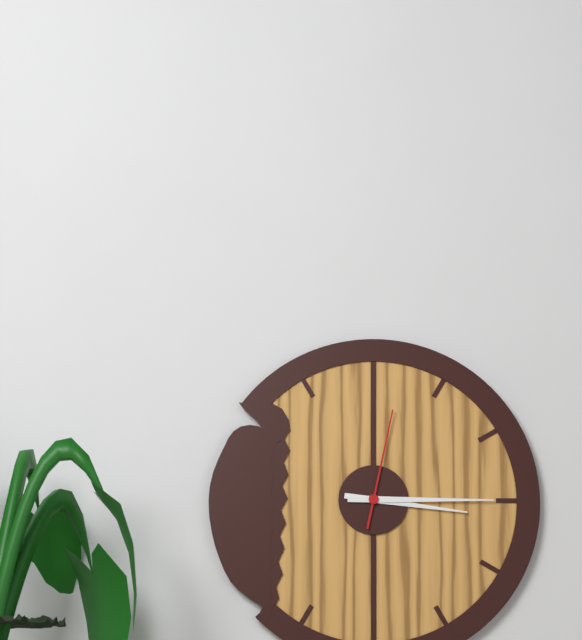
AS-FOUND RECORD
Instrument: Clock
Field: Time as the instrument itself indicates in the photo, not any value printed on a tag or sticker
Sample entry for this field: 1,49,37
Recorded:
3,15,02
